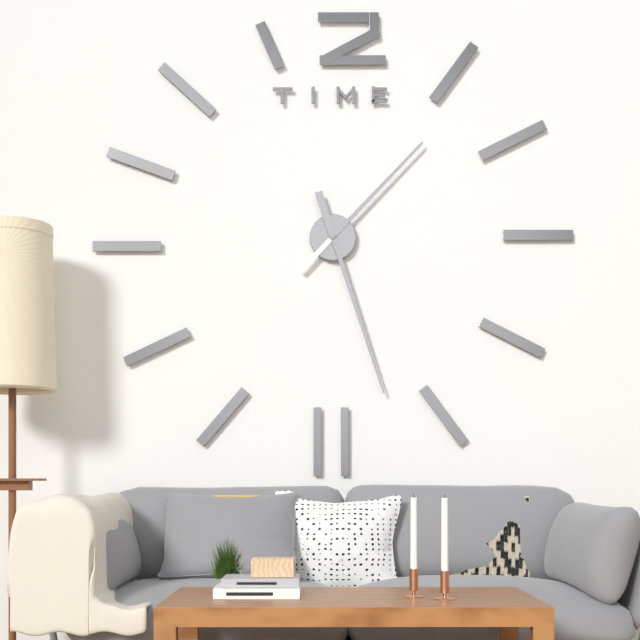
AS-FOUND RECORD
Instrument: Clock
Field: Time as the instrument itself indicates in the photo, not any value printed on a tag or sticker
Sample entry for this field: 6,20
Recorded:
1,27
